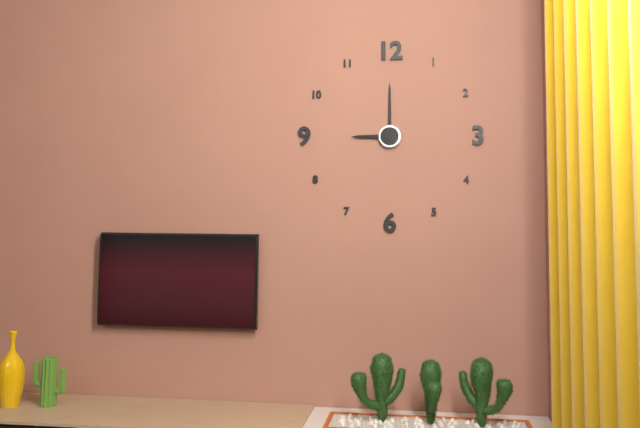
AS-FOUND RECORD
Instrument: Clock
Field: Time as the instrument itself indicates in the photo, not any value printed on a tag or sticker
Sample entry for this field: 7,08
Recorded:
9,00
